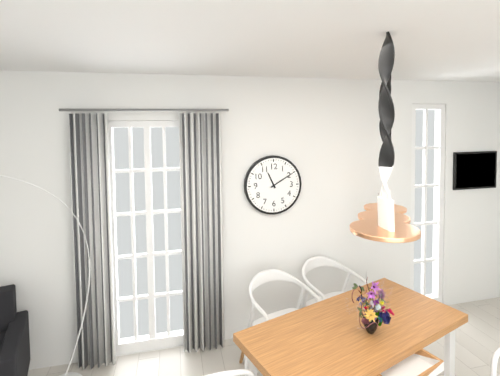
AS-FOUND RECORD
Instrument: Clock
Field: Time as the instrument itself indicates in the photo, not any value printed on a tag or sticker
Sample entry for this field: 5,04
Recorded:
11,10
